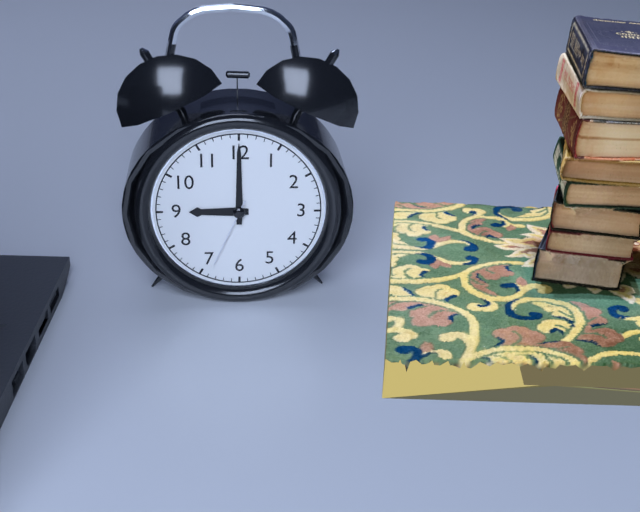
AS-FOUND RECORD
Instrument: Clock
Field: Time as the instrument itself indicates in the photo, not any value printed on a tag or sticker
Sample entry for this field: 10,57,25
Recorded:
9,00,34
